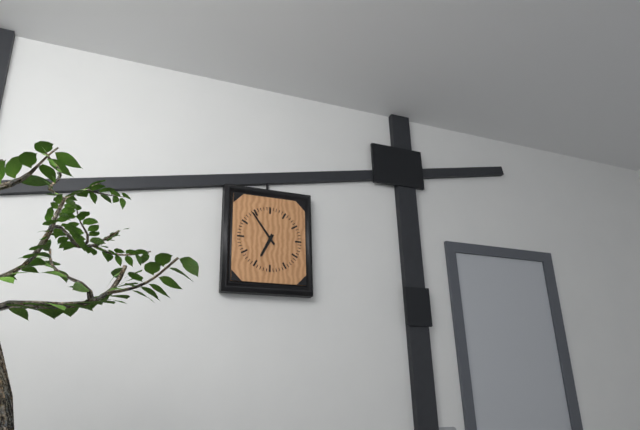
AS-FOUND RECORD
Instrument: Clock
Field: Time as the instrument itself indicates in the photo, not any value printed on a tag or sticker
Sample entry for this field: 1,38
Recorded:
6,54
